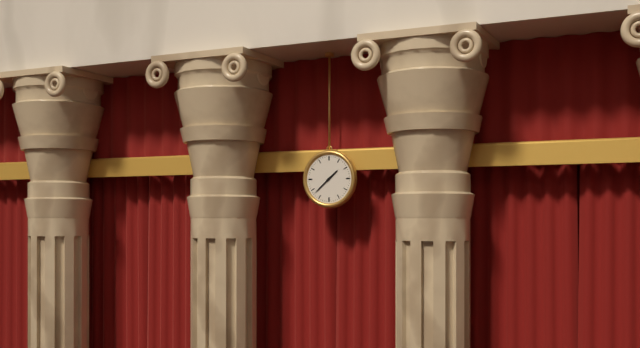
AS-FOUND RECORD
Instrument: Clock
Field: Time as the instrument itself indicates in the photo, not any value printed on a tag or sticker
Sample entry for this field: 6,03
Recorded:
1,38
